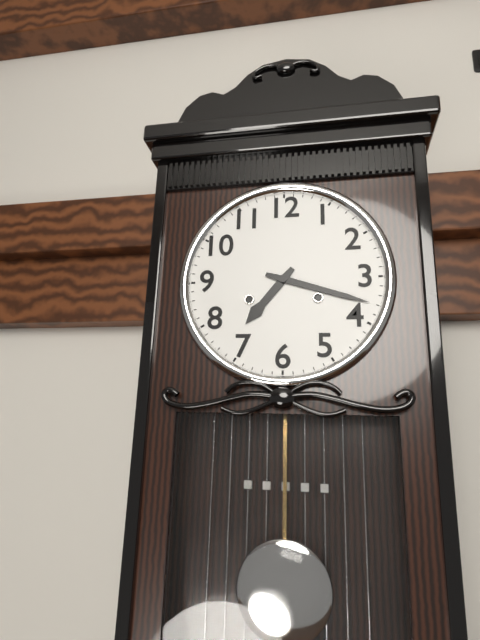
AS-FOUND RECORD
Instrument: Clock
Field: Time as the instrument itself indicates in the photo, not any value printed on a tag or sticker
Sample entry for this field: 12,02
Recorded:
7,18
